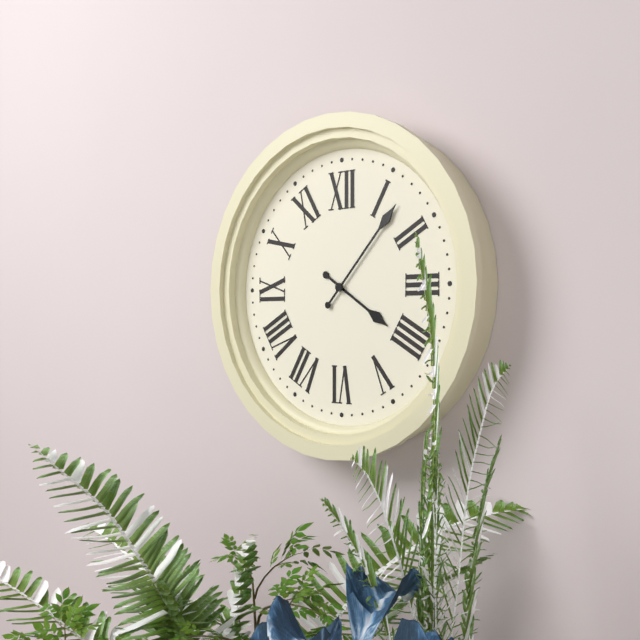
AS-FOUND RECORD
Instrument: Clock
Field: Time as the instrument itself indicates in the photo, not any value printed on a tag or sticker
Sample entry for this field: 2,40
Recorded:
4,07
